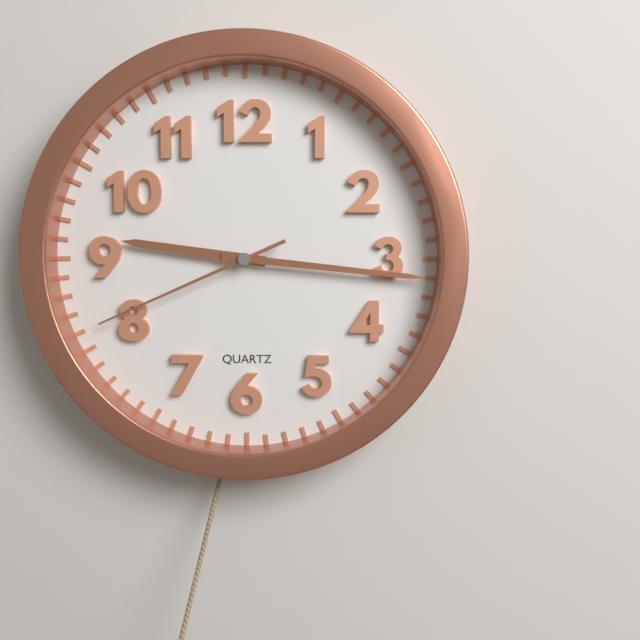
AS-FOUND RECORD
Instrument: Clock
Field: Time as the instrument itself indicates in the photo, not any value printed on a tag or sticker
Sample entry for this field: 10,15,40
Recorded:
9,16,41
